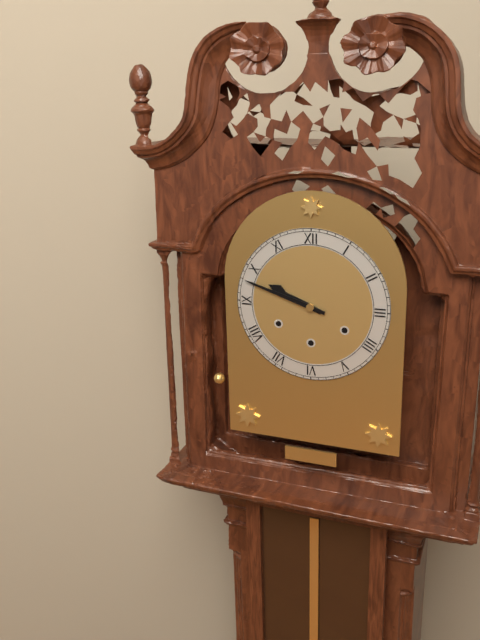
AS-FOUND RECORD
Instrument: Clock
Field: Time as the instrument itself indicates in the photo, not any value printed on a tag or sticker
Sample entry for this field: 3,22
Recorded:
9,48
